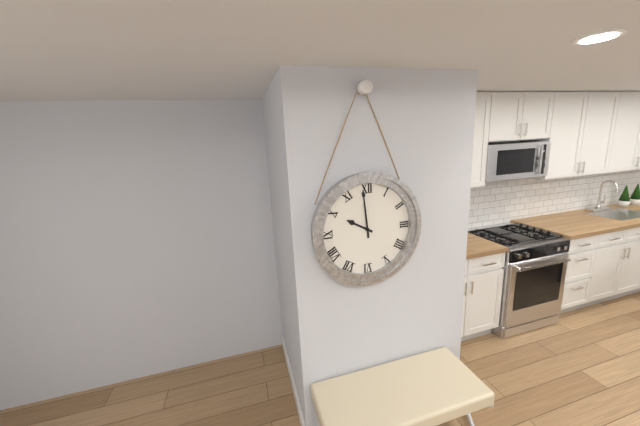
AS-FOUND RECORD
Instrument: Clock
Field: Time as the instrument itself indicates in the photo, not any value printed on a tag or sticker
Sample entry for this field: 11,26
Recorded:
9,59
